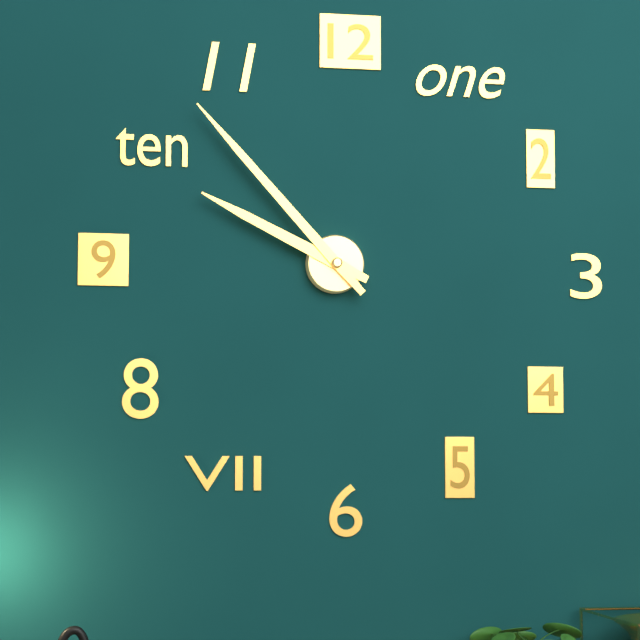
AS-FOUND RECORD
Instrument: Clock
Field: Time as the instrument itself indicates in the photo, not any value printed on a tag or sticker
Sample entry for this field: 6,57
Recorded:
9,53
